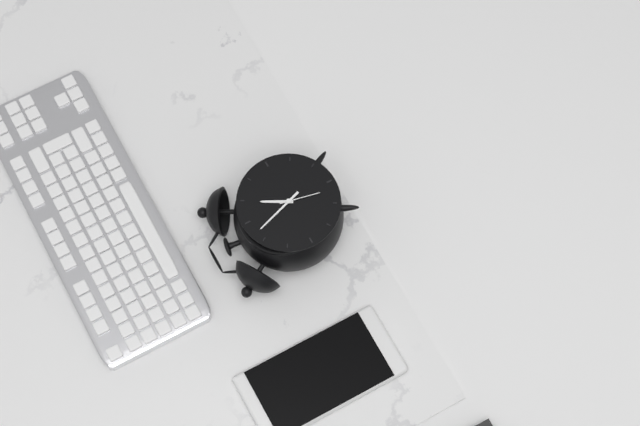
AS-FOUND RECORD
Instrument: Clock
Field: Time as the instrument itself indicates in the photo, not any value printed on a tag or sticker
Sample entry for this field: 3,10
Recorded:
12,57
